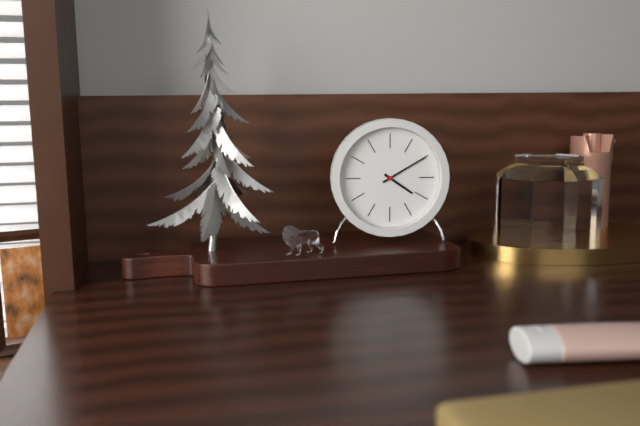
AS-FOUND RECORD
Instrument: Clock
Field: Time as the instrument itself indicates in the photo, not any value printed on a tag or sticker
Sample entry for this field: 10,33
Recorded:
4,10
